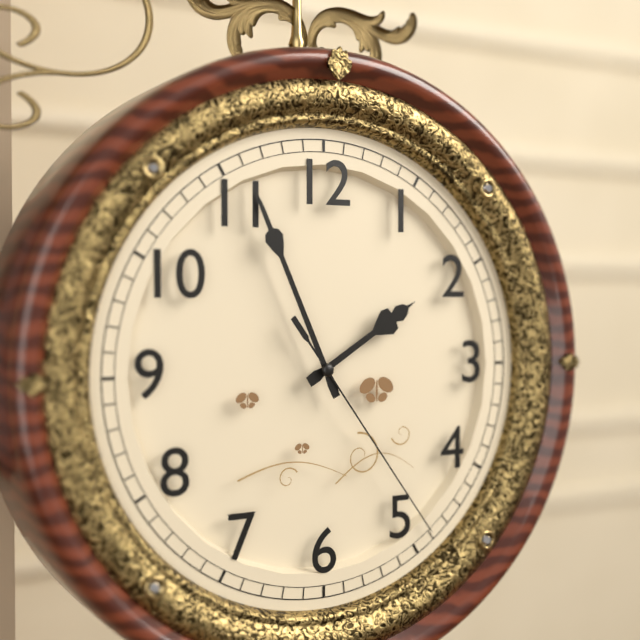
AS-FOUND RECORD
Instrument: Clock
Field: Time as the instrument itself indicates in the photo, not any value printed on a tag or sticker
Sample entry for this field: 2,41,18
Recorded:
1,56,24
